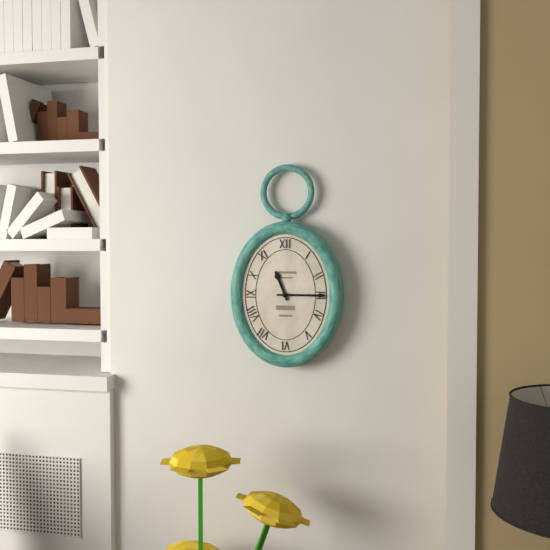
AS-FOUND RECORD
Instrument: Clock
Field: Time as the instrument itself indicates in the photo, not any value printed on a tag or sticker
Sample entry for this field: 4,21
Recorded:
11,15
